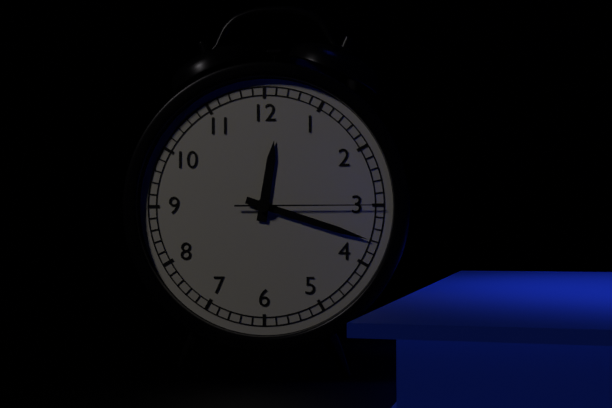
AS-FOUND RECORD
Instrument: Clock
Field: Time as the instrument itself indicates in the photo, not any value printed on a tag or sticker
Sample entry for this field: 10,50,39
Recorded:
12,18,15
